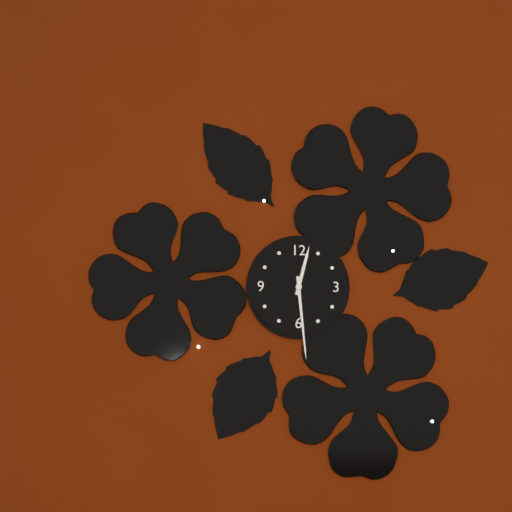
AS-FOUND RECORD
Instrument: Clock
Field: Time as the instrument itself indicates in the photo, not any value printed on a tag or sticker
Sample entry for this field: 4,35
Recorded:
12,29
